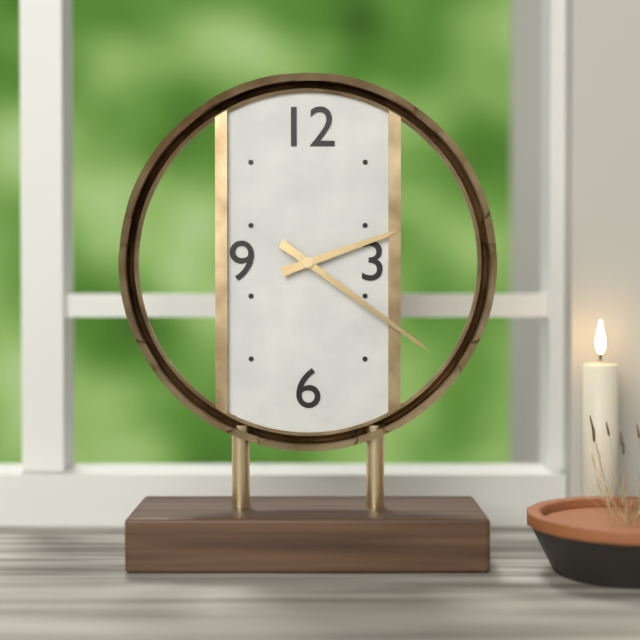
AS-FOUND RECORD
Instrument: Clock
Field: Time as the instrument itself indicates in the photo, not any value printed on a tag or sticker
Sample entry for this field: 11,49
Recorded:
2,21
